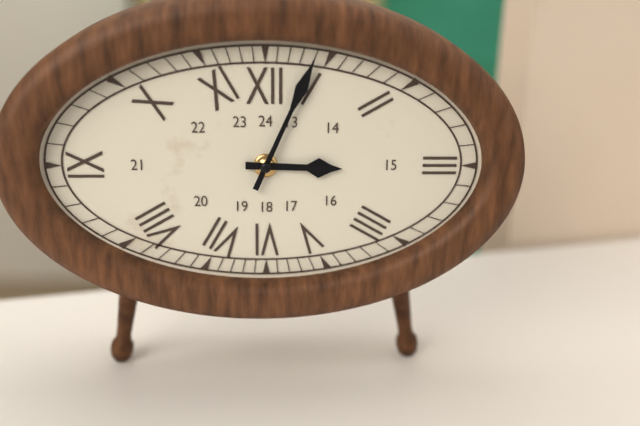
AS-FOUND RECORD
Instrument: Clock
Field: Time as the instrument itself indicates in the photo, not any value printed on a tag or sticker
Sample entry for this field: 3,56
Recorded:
3,04
